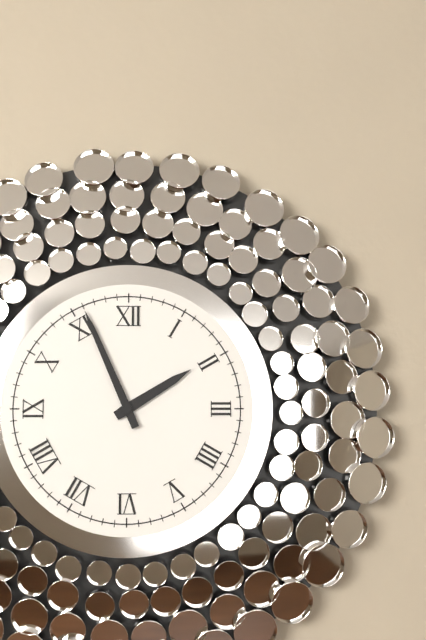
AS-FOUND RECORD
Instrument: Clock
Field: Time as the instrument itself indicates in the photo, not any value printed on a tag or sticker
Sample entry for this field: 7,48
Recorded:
1,56
